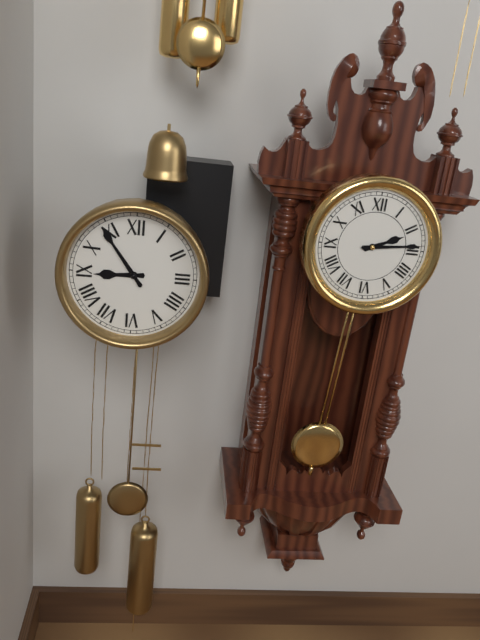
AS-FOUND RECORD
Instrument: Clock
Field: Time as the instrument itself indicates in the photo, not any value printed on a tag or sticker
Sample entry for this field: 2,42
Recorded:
8,54
